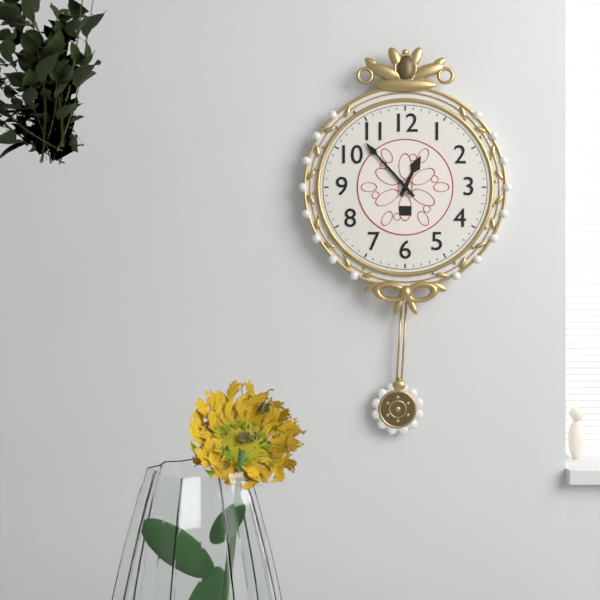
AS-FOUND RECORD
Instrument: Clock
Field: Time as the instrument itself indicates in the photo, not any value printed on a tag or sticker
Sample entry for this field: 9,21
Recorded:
12,53
